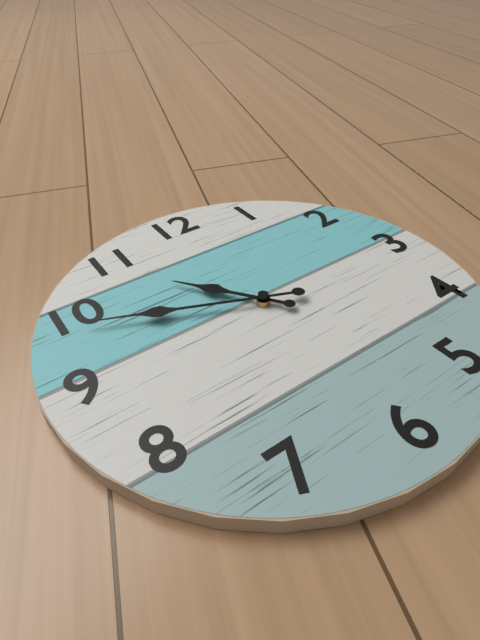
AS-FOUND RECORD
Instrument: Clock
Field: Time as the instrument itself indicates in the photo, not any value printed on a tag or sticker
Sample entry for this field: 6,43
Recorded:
10,49
